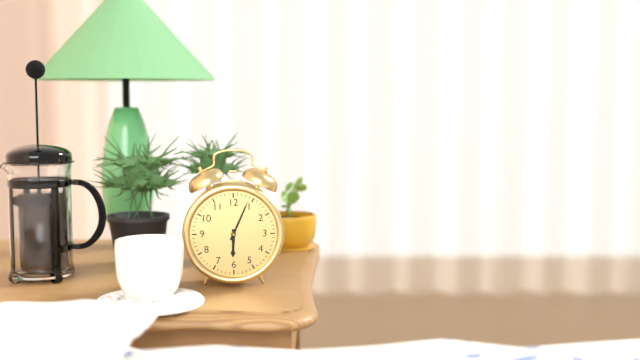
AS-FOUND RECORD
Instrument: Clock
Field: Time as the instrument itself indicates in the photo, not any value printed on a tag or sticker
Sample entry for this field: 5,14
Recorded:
6,04
